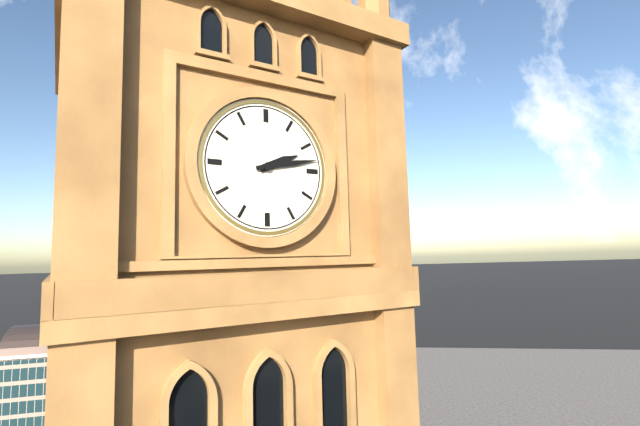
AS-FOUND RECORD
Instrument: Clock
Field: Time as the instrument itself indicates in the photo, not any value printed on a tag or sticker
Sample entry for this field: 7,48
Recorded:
2,13
